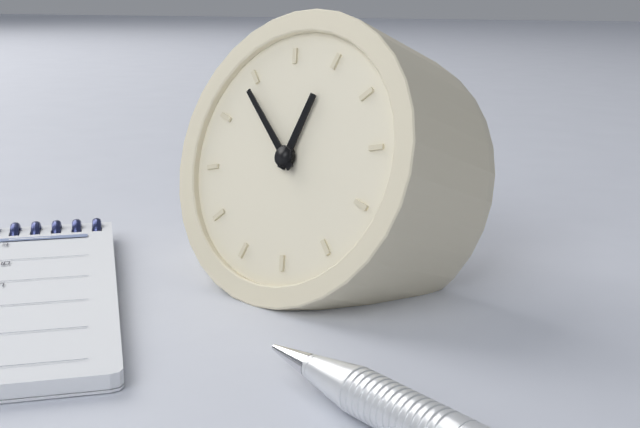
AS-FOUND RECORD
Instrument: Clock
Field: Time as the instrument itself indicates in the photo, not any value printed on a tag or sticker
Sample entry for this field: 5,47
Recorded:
12,54
